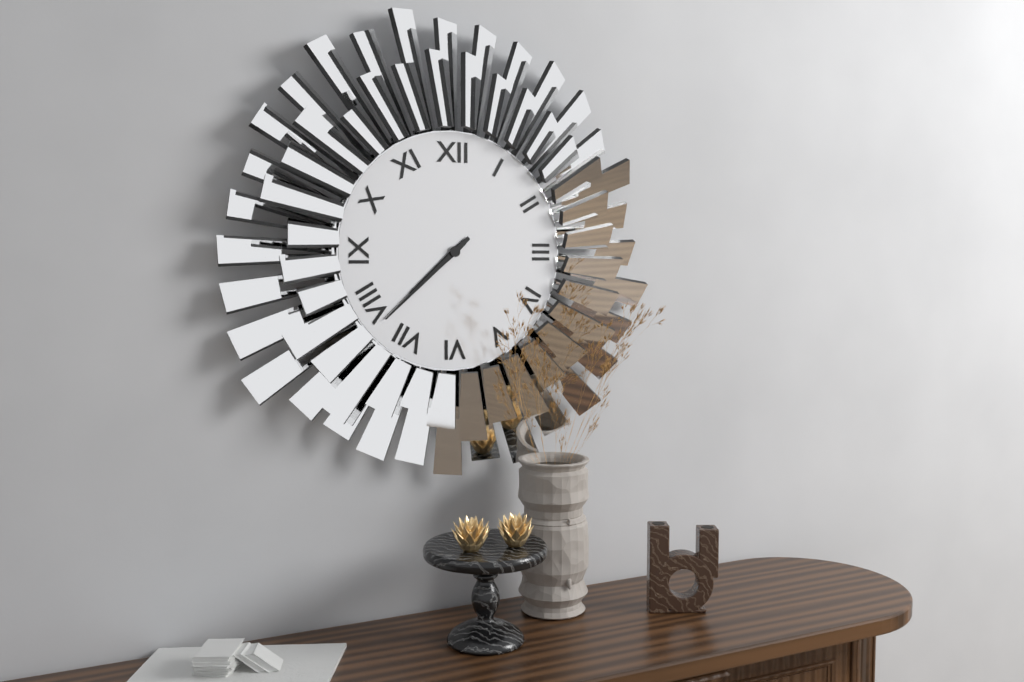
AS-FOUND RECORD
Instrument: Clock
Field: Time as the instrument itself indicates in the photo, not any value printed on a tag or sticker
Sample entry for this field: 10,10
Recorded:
7,38
